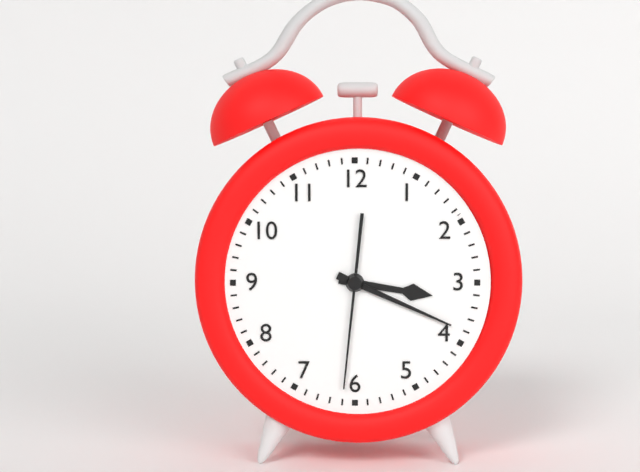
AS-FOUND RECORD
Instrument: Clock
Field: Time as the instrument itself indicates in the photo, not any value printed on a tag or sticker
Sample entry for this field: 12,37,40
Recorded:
3,19,31
